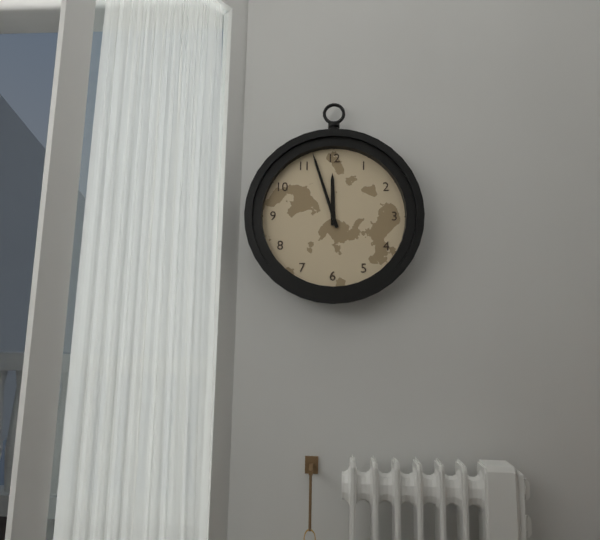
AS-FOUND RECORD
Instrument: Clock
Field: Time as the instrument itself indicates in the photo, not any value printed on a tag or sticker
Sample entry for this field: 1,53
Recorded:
11,57
